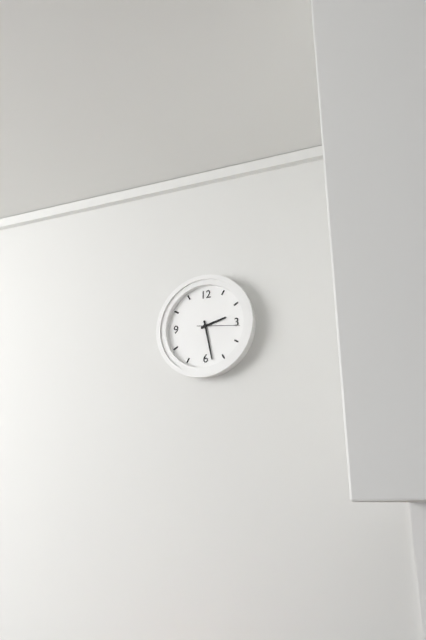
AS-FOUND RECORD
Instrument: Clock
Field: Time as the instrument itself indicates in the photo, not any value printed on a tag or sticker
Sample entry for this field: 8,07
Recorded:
2,28
